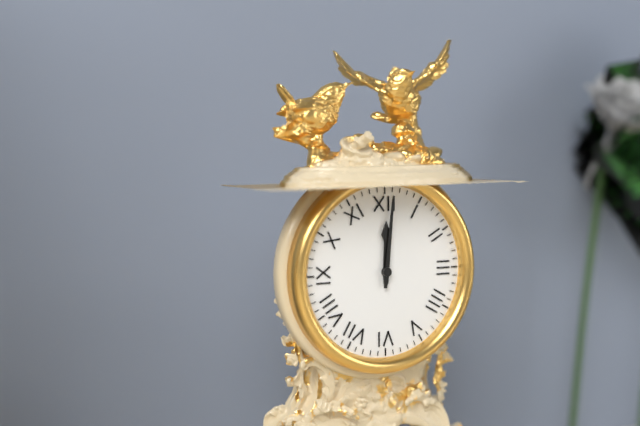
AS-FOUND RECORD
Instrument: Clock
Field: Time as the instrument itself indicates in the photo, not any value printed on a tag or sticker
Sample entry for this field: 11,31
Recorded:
12,01
